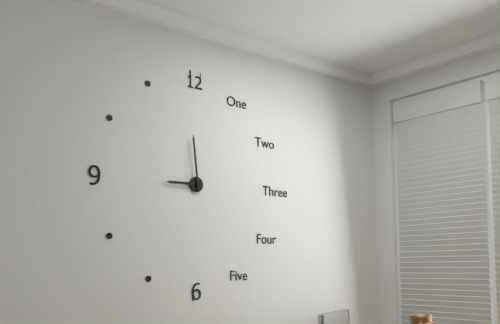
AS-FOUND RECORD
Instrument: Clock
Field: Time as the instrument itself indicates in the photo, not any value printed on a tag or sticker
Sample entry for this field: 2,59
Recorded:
8,59
